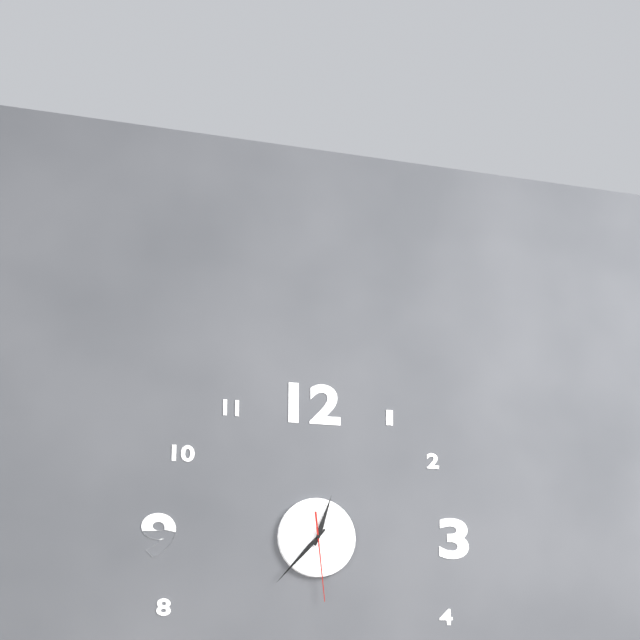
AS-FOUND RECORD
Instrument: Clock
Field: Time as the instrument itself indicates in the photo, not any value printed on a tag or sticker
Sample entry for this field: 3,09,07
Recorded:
12,37,29
